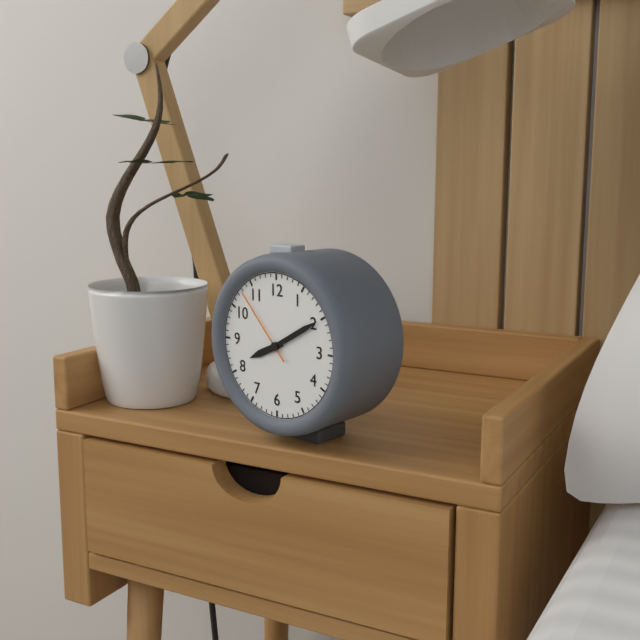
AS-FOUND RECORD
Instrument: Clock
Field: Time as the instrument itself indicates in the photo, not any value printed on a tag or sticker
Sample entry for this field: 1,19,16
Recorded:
8,10,53
